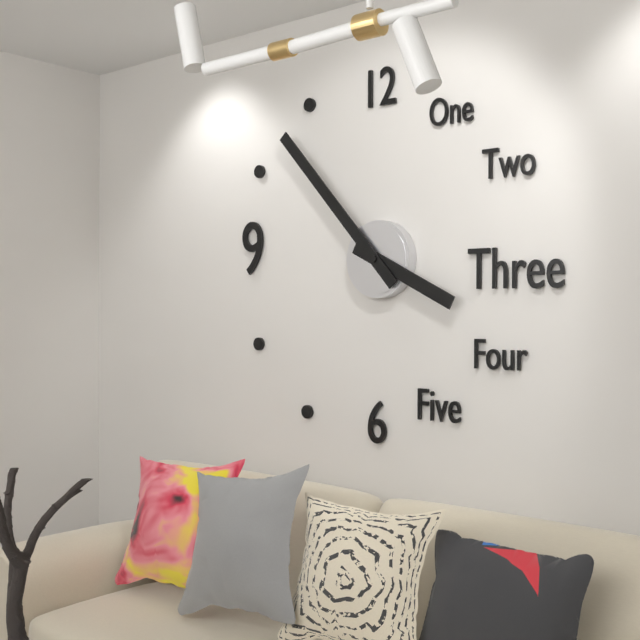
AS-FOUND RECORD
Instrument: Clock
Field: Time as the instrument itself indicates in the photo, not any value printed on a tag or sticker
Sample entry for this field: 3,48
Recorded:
3,53
